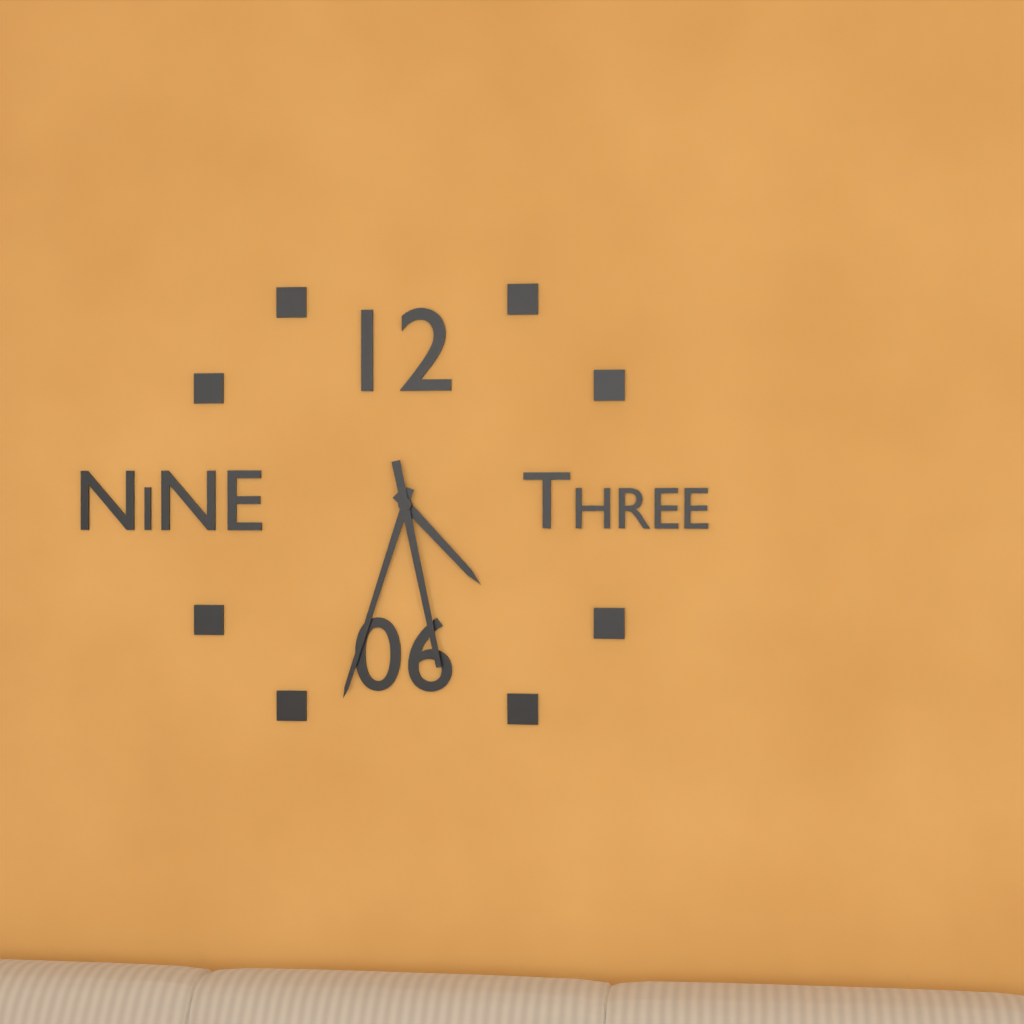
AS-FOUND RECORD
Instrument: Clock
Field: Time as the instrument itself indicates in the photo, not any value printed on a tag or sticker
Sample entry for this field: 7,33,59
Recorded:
4,33,28
